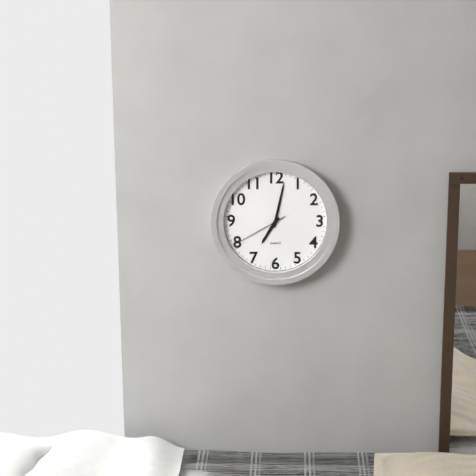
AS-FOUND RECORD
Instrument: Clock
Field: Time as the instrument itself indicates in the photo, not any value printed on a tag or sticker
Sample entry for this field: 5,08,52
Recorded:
7,02,40
